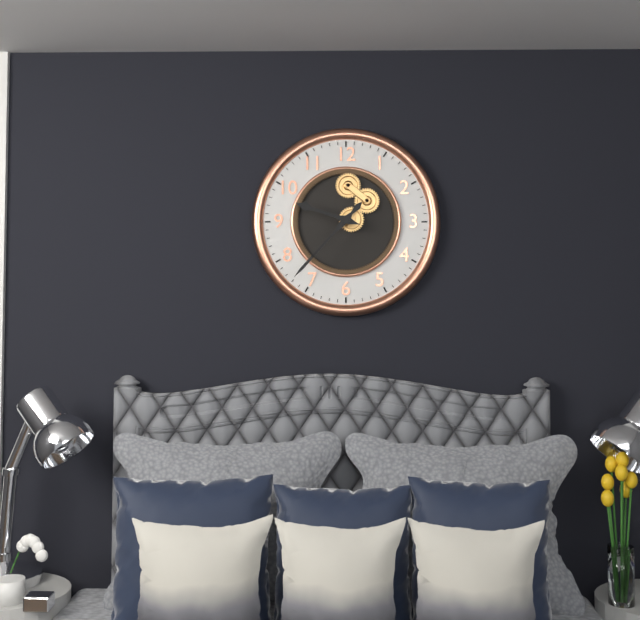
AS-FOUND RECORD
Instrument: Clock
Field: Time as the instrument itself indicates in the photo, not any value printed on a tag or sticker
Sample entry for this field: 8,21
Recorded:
9,37
